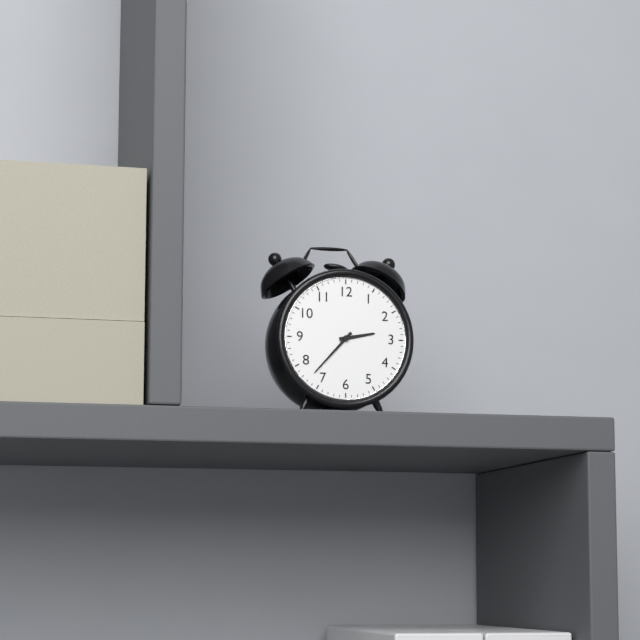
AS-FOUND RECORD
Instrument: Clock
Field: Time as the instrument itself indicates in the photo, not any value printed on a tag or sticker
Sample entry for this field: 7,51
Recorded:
2,37
